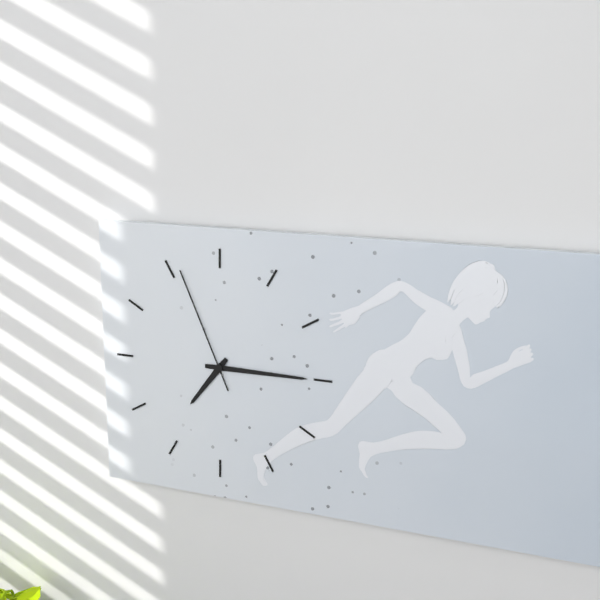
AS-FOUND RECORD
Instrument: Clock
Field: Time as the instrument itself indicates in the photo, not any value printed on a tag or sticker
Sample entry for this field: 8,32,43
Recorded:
7,15,56
